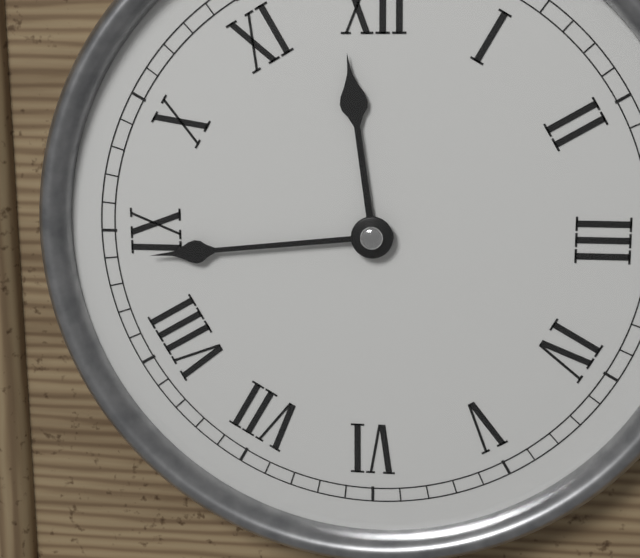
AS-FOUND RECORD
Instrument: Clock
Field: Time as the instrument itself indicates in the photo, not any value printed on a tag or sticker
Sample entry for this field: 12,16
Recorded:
11,44
